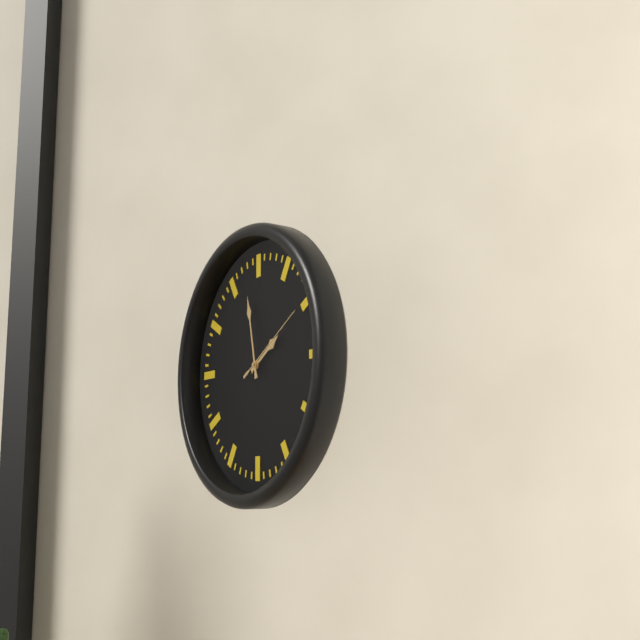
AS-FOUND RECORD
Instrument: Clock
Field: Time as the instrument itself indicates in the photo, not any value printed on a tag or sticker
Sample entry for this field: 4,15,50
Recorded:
1,58,10
